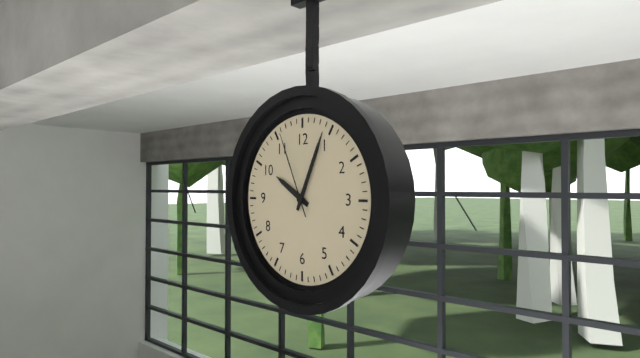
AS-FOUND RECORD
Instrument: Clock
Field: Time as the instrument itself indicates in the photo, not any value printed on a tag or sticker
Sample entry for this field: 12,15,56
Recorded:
10,04,56
